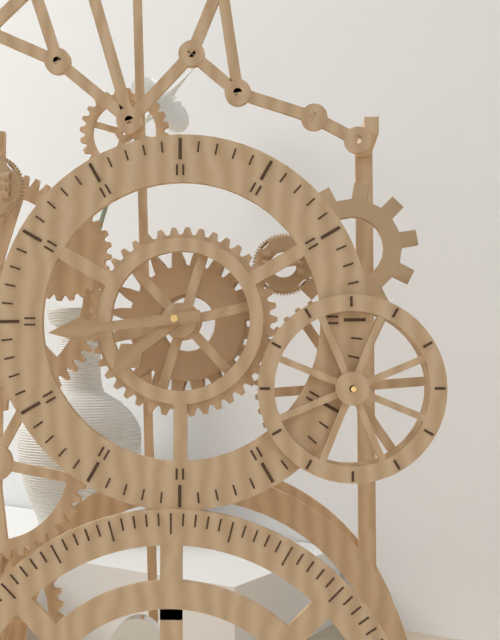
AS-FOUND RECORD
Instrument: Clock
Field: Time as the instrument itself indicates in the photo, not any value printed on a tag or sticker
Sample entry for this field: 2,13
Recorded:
7,44
